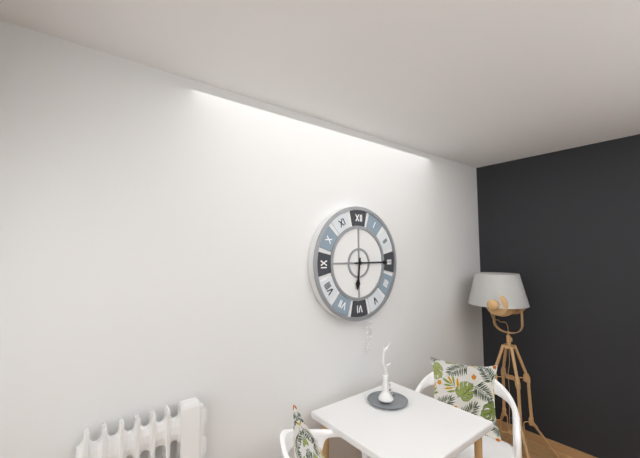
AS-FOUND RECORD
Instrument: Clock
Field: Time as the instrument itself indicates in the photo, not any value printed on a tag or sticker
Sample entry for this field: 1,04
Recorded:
6,15
